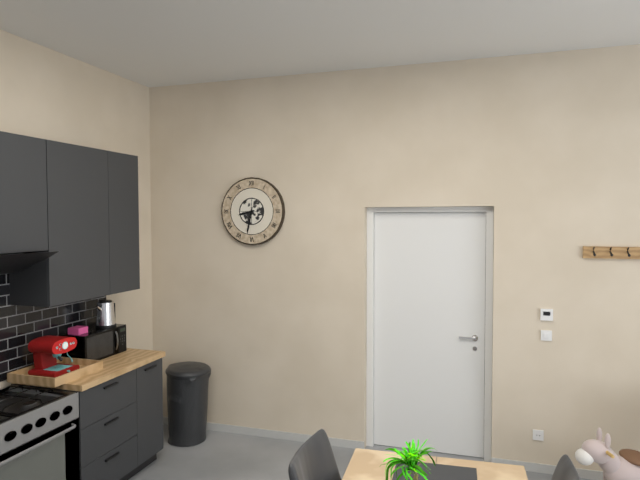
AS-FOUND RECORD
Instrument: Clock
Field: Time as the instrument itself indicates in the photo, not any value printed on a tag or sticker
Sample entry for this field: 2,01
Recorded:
8,32
